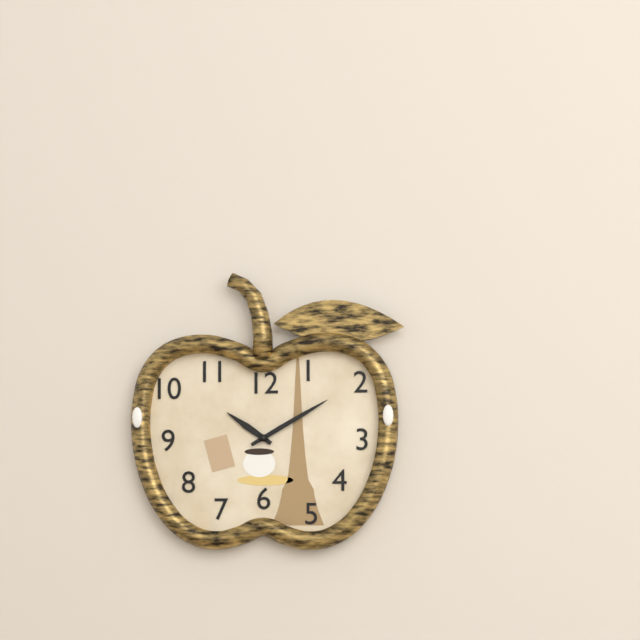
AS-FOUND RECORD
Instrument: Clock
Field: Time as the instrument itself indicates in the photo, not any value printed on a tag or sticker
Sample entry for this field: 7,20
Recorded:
10,10
